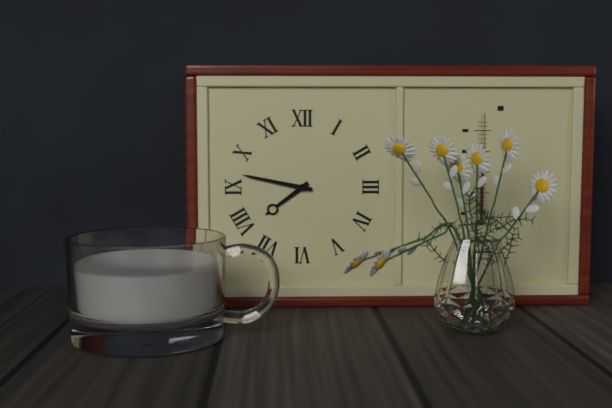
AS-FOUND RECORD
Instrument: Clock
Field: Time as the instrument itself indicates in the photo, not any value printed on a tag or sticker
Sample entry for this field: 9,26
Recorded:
7,47
